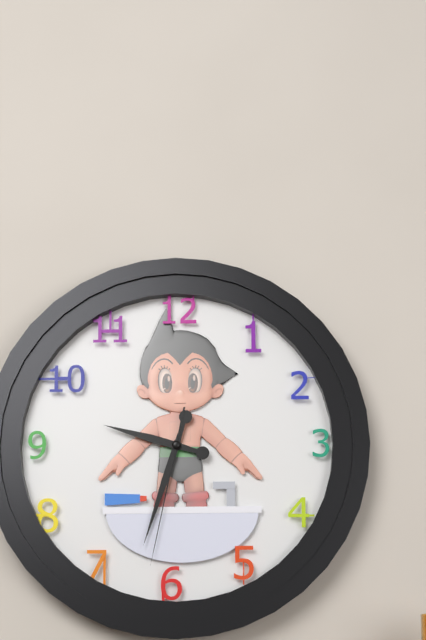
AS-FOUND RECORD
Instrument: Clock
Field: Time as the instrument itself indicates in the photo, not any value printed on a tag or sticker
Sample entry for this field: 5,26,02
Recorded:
9,33,32
